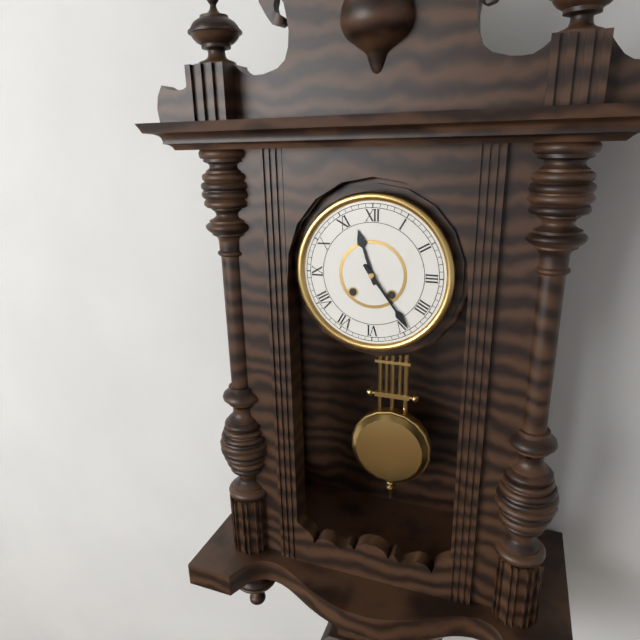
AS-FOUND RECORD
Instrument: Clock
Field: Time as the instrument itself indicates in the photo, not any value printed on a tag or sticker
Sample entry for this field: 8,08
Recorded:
11,24
